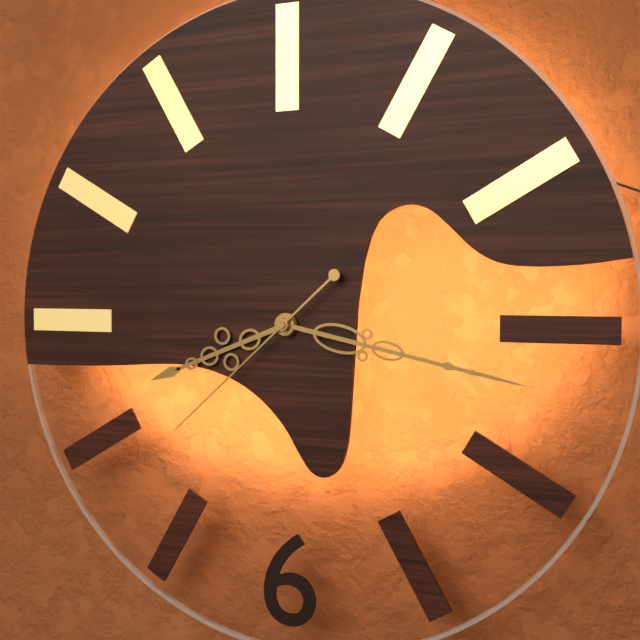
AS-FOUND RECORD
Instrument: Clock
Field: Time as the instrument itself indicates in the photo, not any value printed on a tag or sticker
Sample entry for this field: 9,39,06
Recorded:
8,17,38
